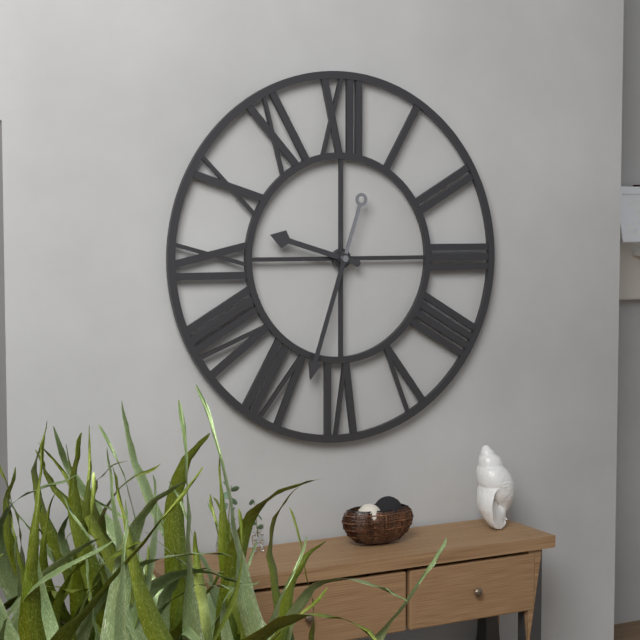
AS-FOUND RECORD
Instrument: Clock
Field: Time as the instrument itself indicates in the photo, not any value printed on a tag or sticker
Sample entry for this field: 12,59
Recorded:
9,33
